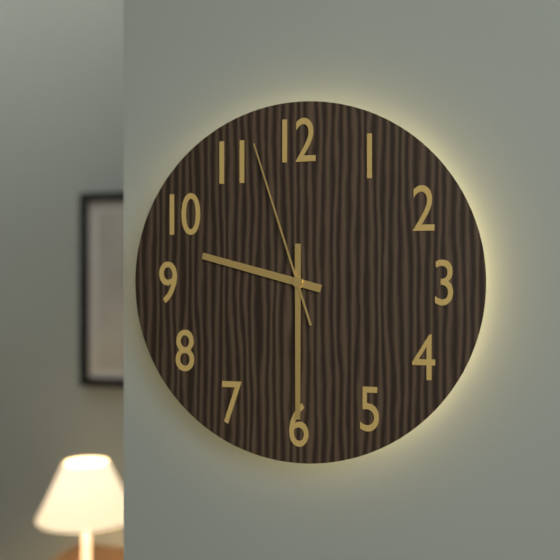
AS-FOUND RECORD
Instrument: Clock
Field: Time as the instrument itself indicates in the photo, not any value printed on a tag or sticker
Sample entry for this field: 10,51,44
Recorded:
9,30,57
